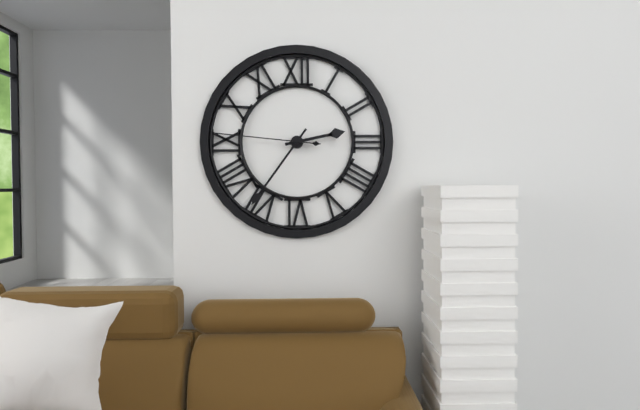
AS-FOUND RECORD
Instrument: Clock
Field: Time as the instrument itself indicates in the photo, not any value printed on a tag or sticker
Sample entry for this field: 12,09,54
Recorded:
2,36,46
